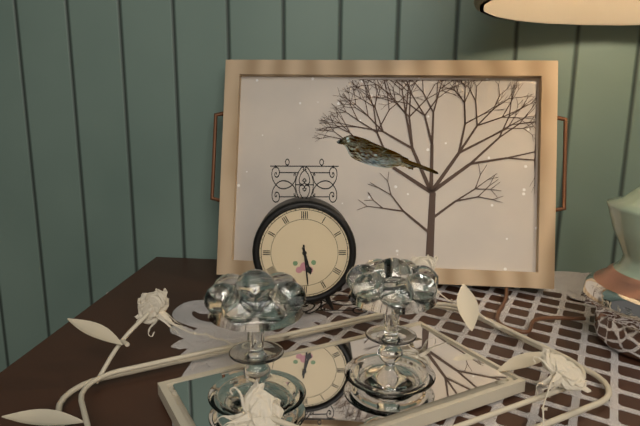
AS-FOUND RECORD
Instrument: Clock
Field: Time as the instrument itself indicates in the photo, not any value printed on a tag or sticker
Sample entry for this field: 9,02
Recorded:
5,29
